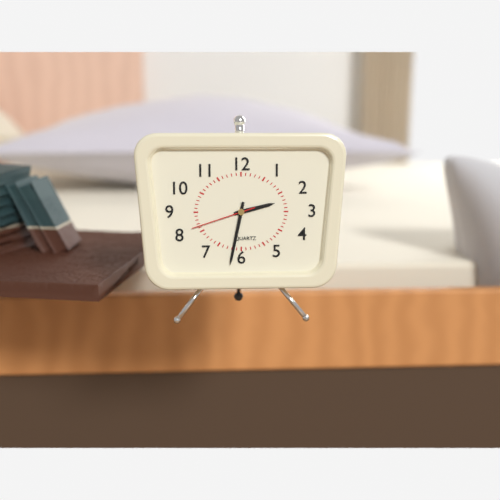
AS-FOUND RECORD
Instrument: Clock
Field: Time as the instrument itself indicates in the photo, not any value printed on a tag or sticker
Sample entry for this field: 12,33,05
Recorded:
2,32,42
